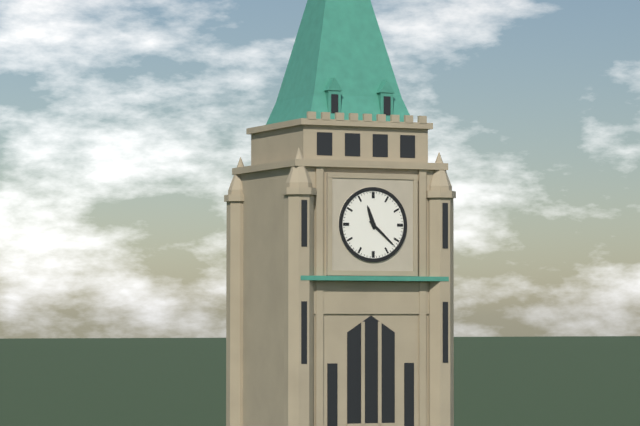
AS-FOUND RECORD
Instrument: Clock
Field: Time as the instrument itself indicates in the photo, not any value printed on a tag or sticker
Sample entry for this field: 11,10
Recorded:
11,22
